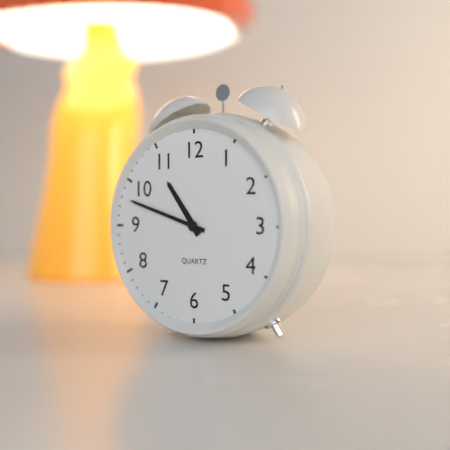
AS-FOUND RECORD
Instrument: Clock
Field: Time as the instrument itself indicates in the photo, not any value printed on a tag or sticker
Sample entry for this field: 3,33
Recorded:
10,48
